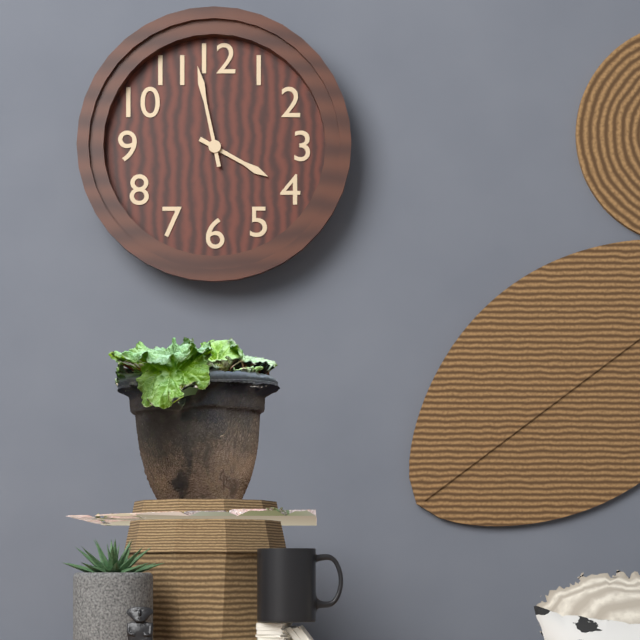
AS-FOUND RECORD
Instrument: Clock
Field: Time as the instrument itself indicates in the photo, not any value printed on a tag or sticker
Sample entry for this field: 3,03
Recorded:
3,58
